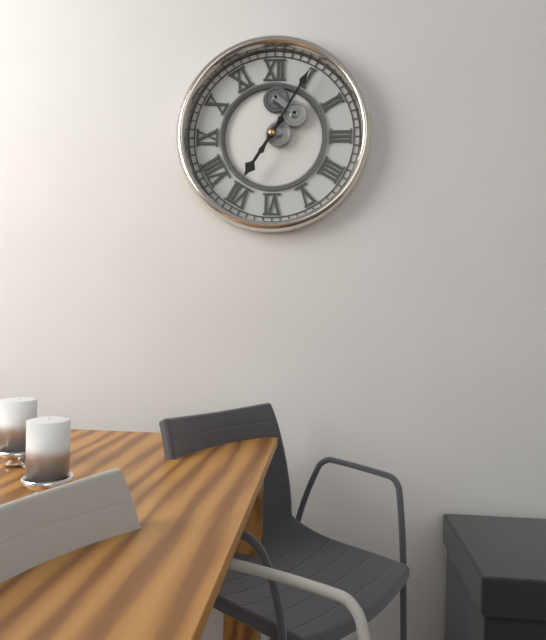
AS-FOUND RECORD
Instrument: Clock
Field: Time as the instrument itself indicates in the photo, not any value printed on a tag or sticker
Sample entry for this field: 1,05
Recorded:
7,05
